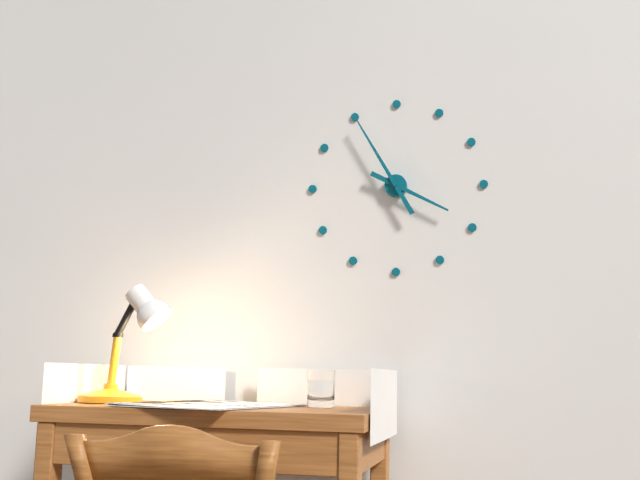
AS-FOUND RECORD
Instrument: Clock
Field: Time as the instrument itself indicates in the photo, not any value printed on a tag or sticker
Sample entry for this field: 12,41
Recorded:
3,55
